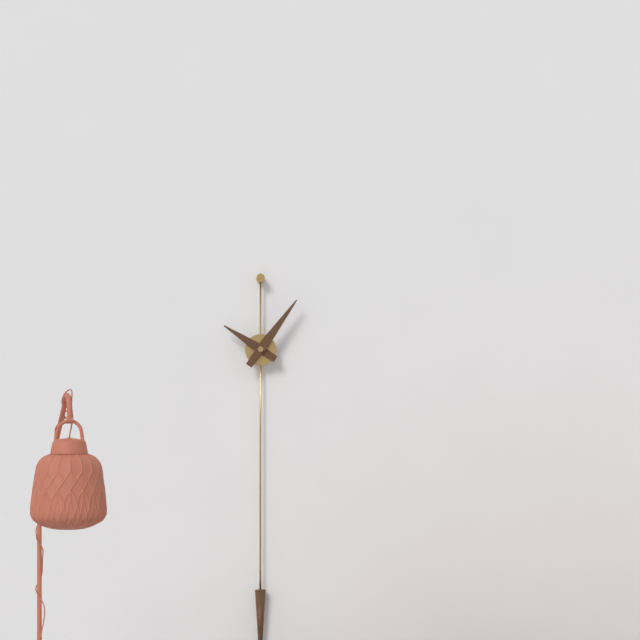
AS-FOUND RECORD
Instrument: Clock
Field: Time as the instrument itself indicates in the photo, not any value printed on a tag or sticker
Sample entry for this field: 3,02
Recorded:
10,06
